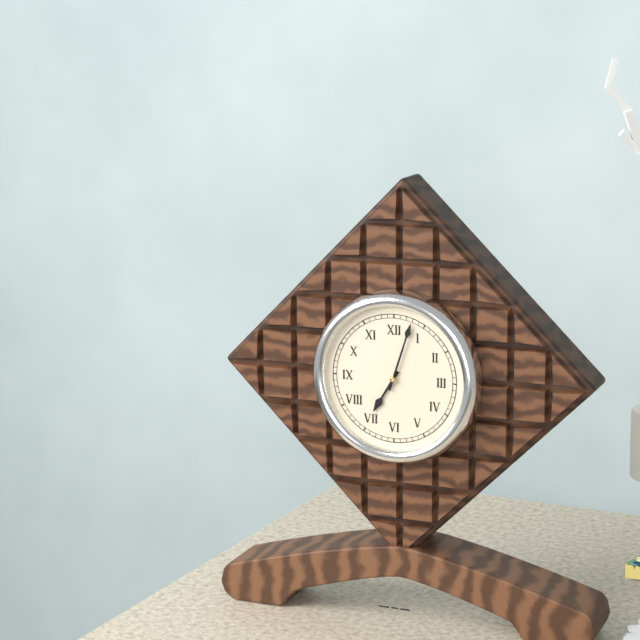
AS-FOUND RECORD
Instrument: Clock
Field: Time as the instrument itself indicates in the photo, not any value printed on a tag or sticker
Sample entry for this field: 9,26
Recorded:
7,03
